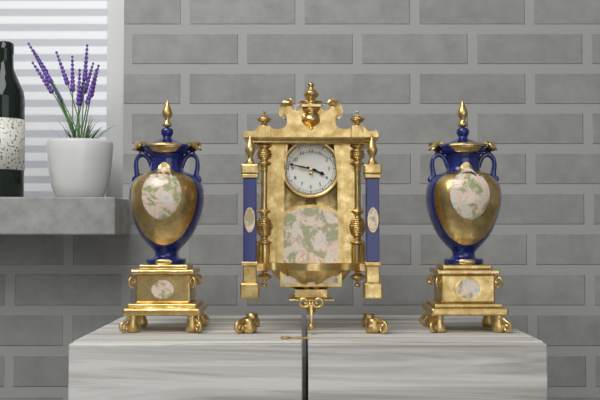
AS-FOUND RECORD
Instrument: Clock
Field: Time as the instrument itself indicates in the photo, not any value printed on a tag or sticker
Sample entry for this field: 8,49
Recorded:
3,47
